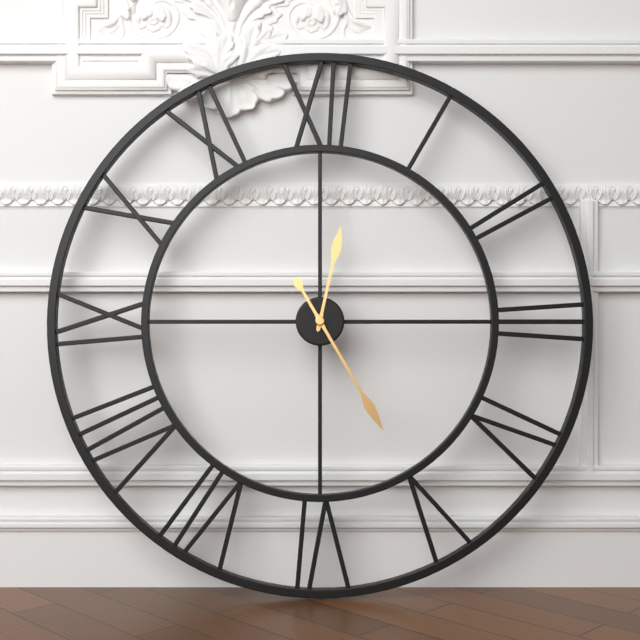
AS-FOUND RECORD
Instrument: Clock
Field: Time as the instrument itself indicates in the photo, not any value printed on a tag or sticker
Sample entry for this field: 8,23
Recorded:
12,25
